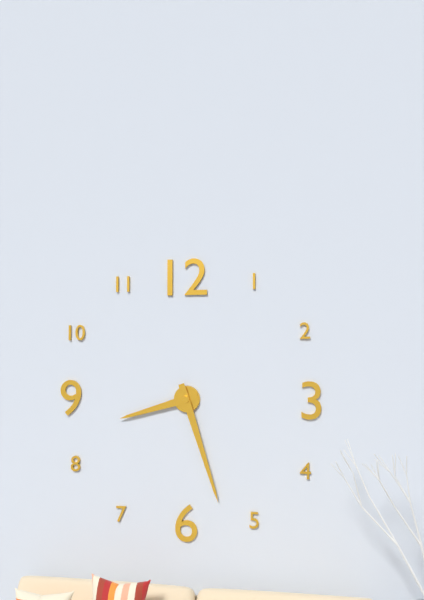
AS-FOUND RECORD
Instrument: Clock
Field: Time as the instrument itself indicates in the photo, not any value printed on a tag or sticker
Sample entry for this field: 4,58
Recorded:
8,27
